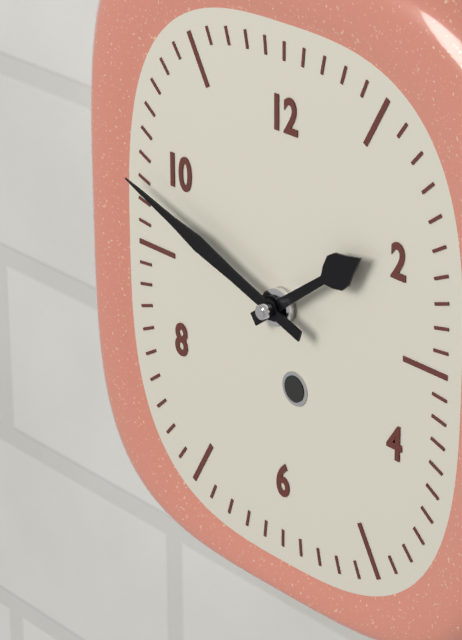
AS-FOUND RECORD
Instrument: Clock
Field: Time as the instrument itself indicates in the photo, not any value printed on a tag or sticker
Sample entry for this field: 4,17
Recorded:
1,48
